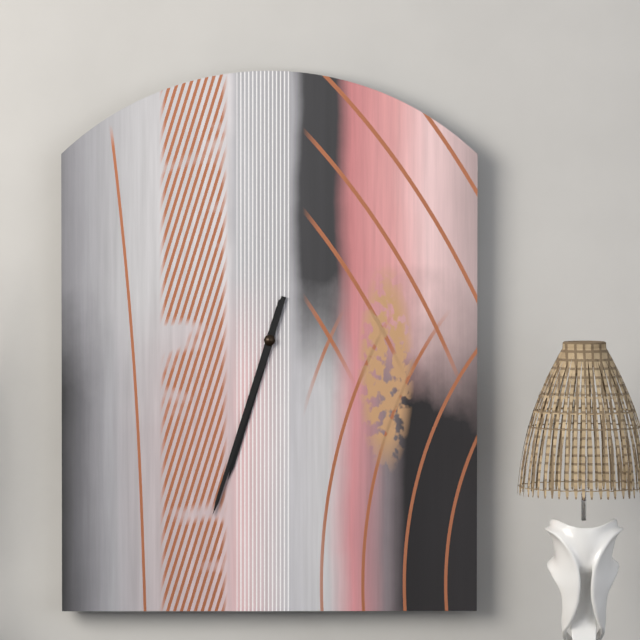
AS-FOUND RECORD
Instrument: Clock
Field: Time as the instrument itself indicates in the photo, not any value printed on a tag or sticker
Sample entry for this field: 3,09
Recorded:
6,33
